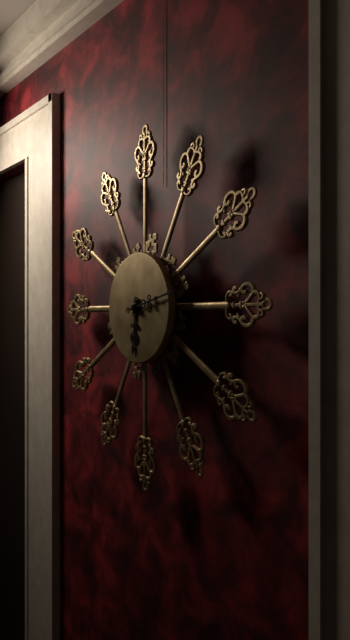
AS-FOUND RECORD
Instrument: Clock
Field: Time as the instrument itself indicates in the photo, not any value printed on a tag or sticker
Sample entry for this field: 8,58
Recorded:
6,13
